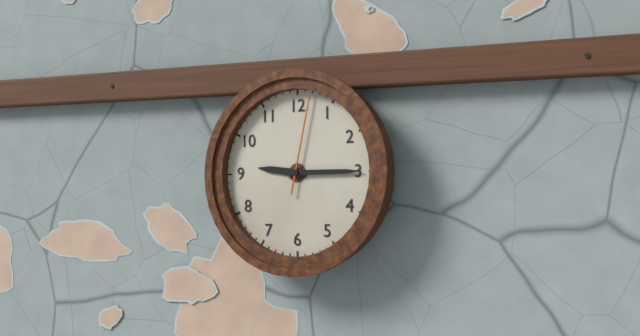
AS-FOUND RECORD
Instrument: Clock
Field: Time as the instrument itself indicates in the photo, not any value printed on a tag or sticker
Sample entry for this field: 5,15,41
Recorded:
9,15,02
